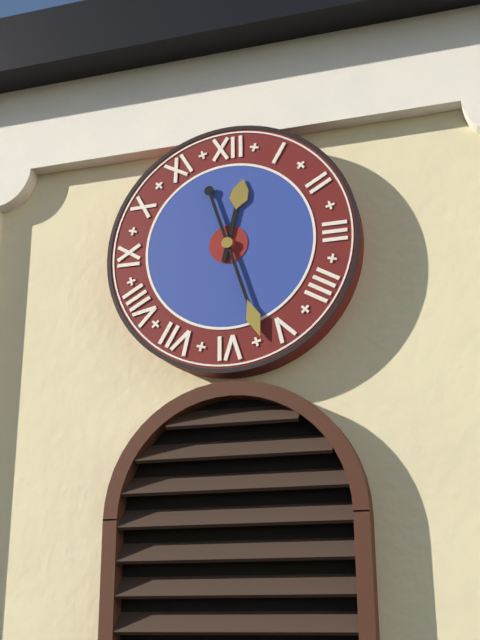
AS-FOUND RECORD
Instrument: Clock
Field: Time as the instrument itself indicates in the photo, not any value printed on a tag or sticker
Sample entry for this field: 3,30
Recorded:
12,27
